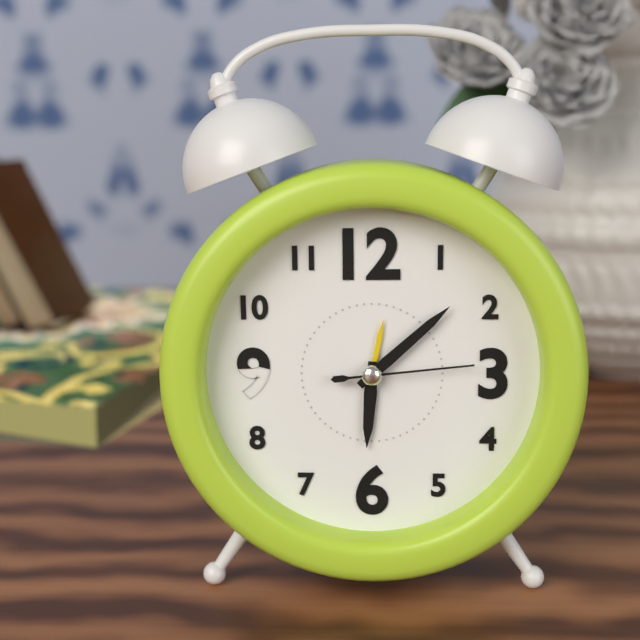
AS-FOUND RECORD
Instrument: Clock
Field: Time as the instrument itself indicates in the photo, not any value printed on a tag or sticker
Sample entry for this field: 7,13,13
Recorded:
6,08,14
